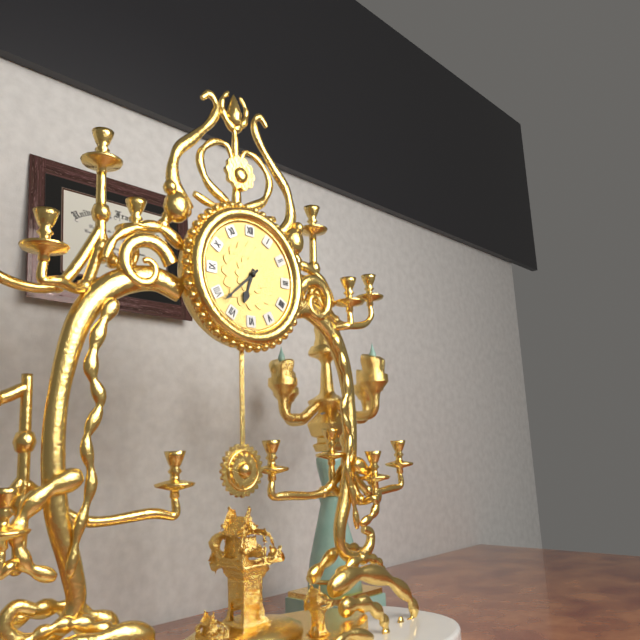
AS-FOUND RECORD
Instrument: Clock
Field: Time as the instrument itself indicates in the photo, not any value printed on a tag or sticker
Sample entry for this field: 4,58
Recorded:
6,38
